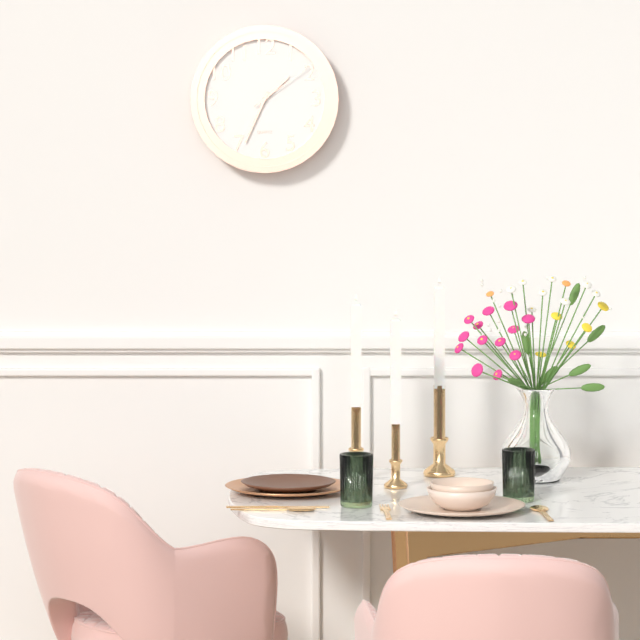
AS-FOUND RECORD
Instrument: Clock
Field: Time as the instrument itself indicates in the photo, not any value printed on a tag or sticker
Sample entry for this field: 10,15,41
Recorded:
1,34,09
